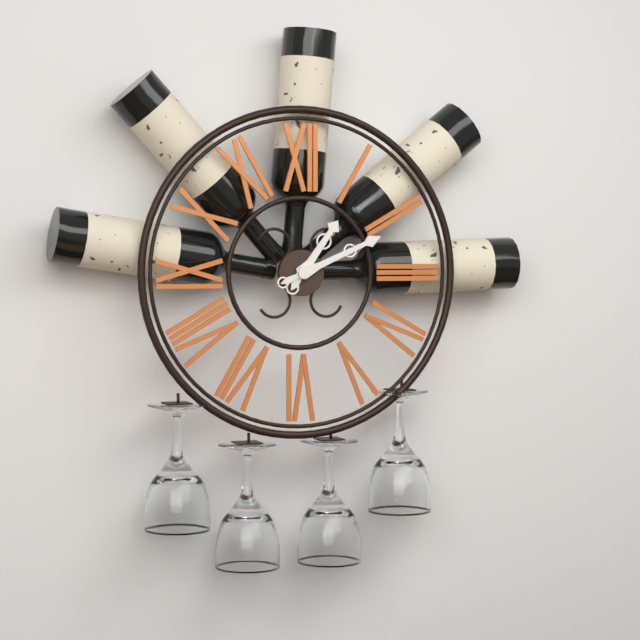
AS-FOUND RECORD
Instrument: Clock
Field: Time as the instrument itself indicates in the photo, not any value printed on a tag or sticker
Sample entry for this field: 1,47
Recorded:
1,11
